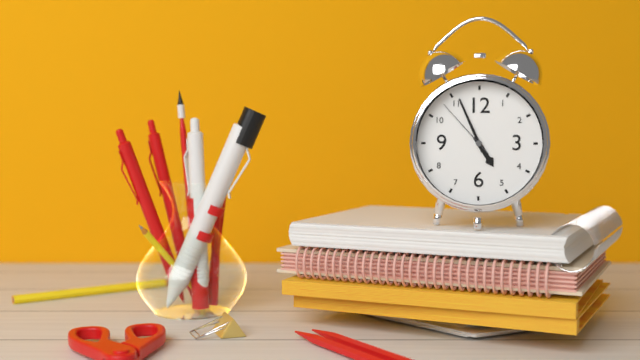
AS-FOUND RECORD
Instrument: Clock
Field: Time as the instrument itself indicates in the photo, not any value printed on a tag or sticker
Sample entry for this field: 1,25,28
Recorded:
4,56,53
